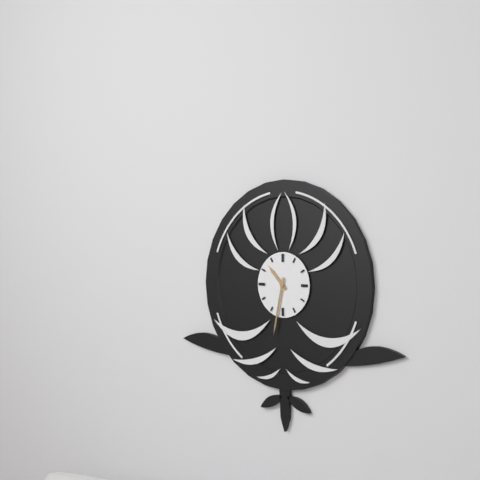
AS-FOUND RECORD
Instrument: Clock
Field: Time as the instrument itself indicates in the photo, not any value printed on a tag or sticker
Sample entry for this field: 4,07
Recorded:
10,32
